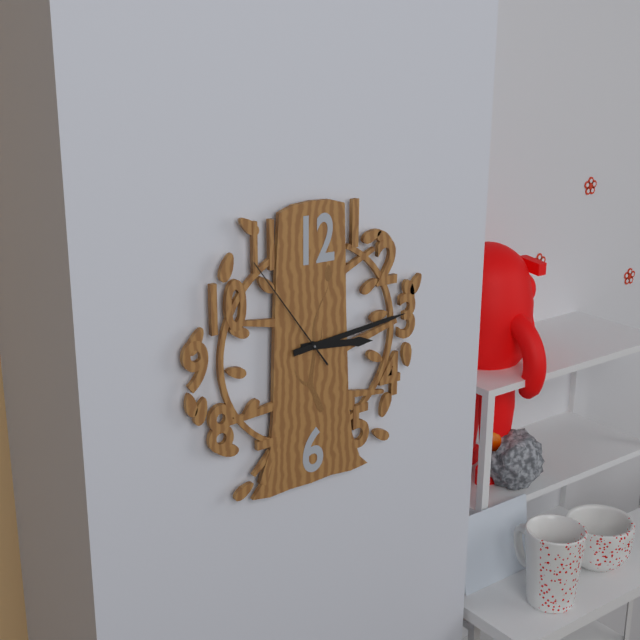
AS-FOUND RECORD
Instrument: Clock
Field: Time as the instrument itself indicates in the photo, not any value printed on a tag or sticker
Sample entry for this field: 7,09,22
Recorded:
3,14,54
